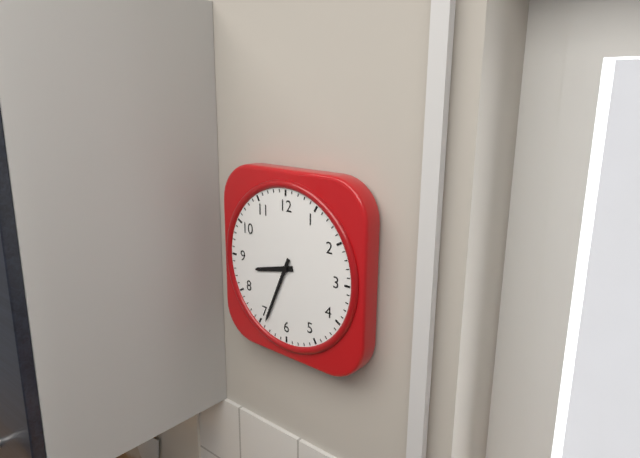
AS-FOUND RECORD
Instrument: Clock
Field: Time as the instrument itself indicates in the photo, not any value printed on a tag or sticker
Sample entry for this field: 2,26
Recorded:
8,34
